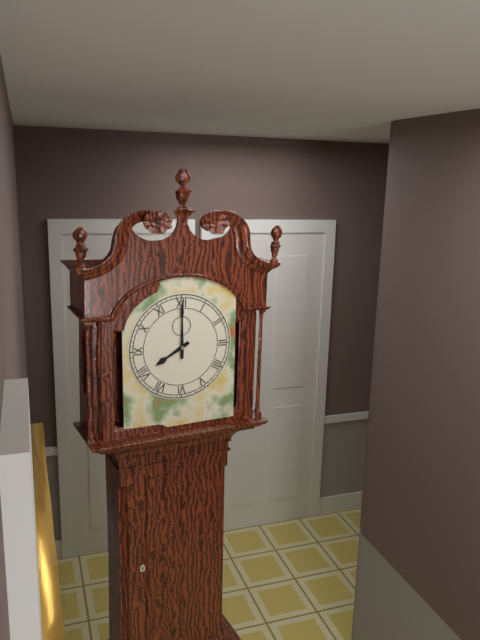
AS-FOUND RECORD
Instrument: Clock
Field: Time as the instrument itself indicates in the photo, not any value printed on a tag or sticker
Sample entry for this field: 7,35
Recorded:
8,00
